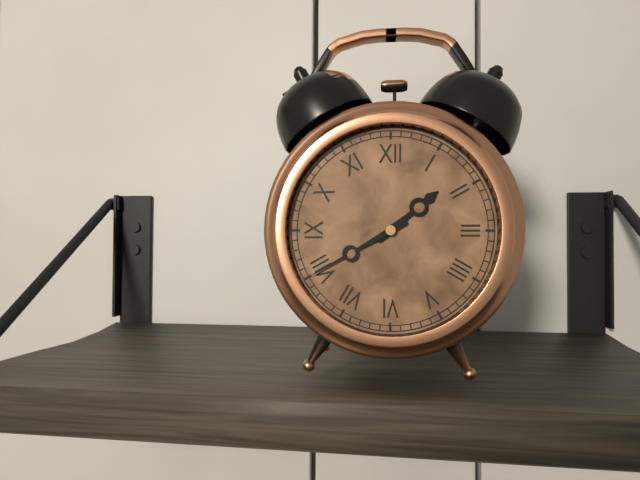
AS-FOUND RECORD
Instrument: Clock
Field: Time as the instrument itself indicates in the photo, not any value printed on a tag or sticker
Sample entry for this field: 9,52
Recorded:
1,40
